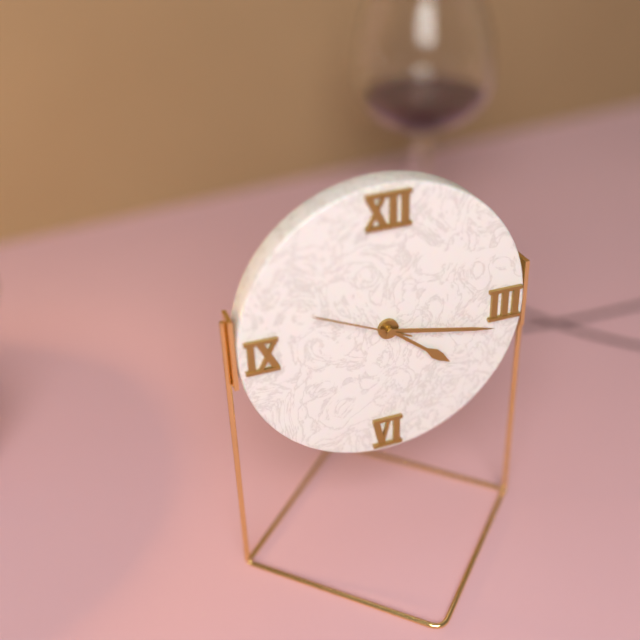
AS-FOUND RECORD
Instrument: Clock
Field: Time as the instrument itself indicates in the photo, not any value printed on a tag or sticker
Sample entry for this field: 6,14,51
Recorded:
4,17,49
